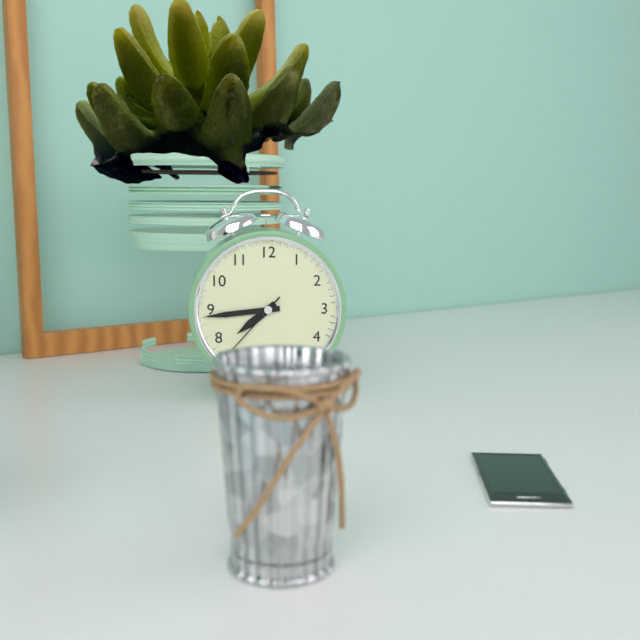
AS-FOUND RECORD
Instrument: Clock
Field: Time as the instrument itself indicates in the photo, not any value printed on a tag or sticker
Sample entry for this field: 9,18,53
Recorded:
7,44,37
